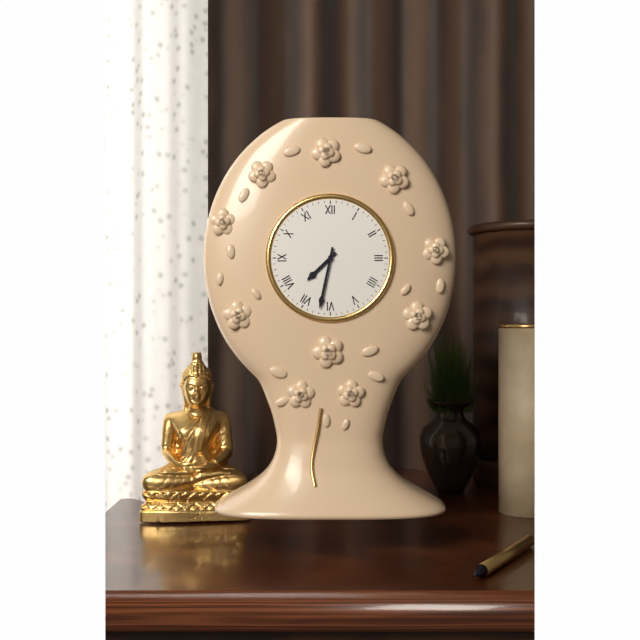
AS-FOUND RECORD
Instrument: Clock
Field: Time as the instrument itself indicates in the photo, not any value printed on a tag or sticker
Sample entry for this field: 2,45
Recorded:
7,32
